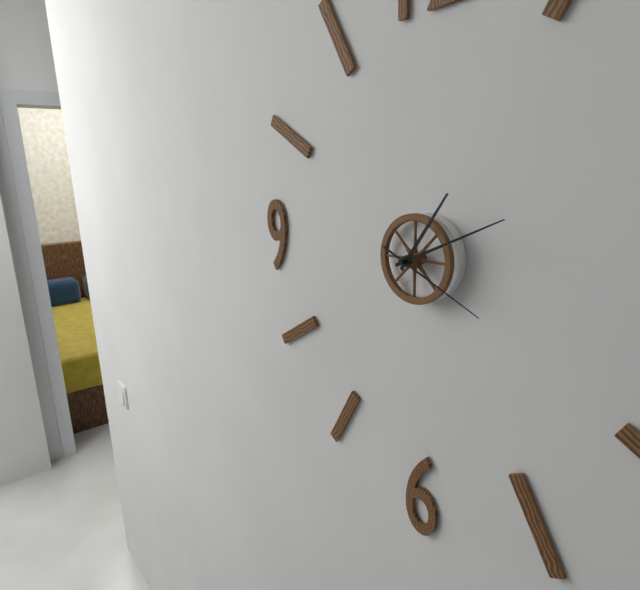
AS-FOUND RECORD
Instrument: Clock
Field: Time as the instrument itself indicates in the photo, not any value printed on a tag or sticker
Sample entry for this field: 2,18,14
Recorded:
1,11,19
